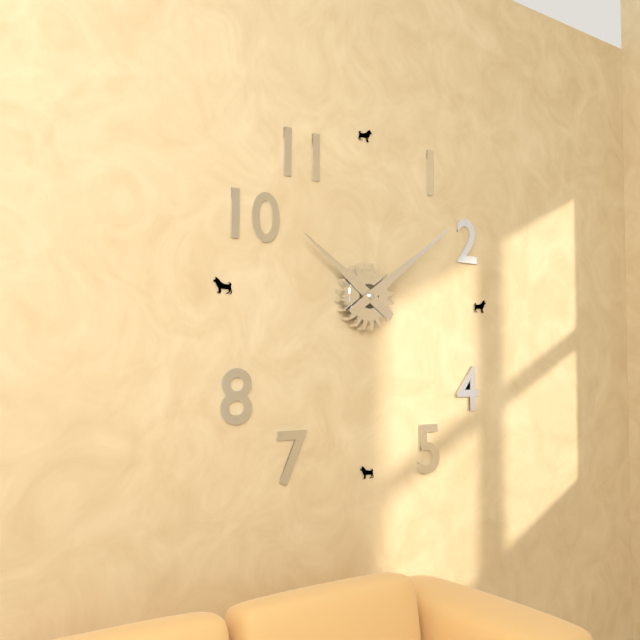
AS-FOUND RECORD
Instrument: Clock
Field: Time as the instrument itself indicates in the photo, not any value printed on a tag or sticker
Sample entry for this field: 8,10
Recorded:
10,09
